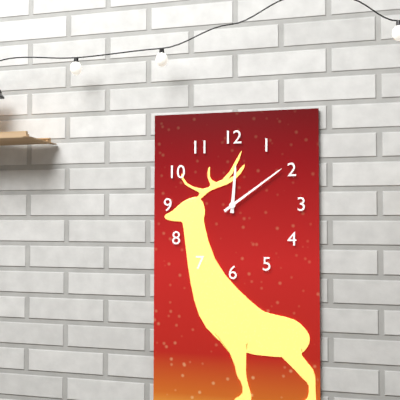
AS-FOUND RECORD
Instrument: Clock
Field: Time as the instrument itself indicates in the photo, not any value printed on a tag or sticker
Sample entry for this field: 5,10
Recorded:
12,09
